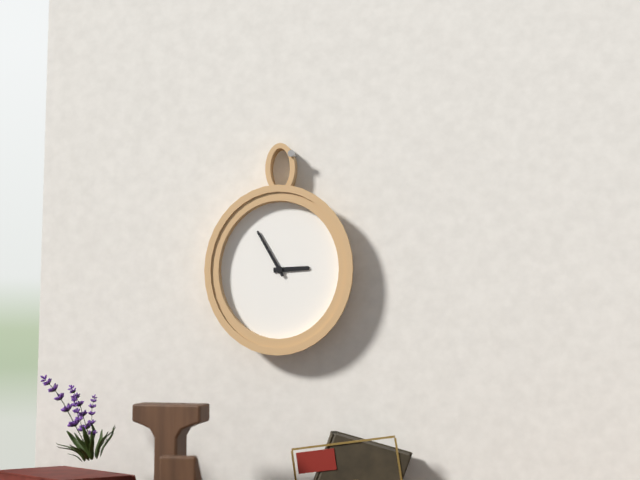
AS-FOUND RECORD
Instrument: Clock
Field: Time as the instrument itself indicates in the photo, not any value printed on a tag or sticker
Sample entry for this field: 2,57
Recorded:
2,55
